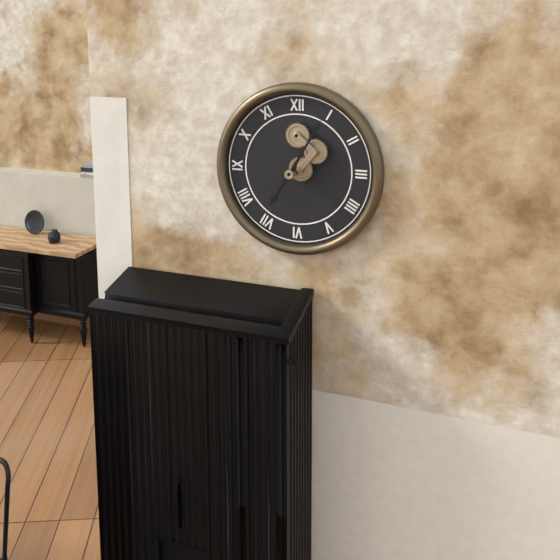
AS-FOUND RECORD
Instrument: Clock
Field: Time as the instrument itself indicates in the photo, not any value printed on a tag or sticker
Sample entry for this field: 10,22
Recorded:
7,05
